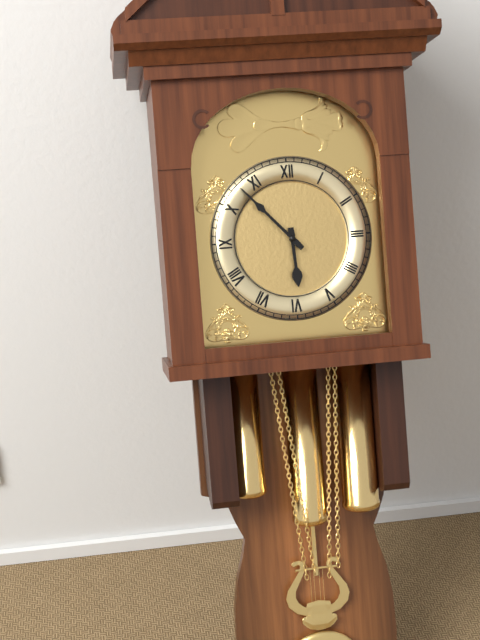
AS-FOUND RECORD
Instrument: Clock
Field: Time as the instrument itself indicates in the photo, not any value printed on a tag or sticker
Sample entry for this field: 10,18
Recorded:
5,53
